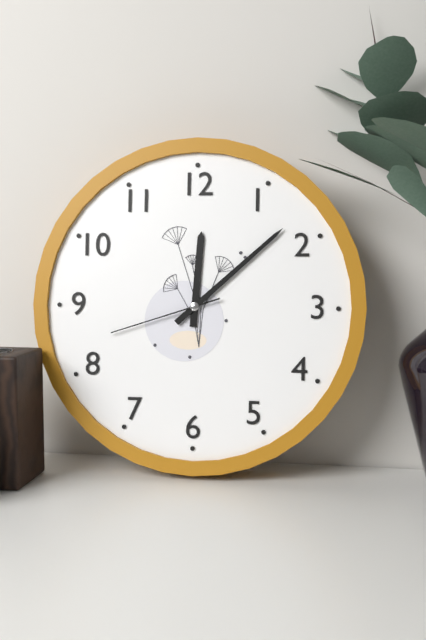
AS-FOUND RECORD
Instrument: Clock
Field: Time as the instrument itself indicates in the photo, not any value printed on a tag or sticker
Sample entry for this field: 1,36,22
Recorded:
12,08,42
